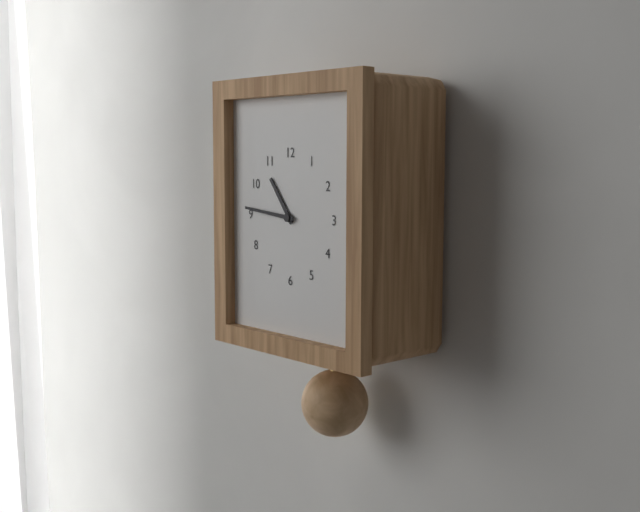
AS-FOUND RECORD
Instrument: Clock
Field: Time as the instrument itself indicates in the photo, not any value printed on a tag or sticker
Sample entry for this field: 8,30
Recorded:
10,46
